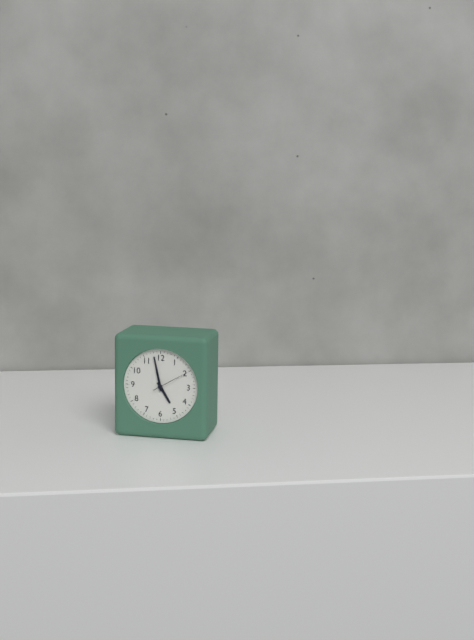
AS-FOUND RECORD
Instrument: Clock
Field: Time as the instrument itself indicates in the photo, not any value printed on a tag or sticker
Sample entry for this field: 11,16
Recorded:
4,58
